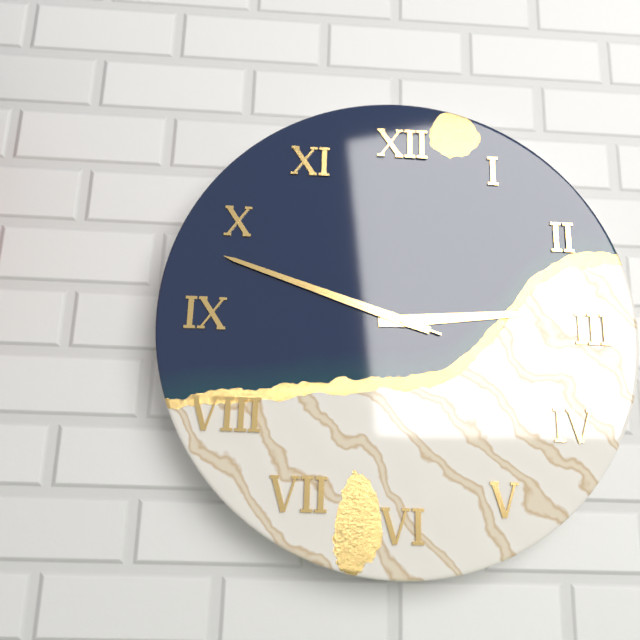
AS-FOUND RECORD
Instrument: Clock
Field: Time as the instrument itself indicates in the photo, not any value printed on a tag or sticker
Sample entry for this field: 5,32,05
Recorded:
2,48,48
